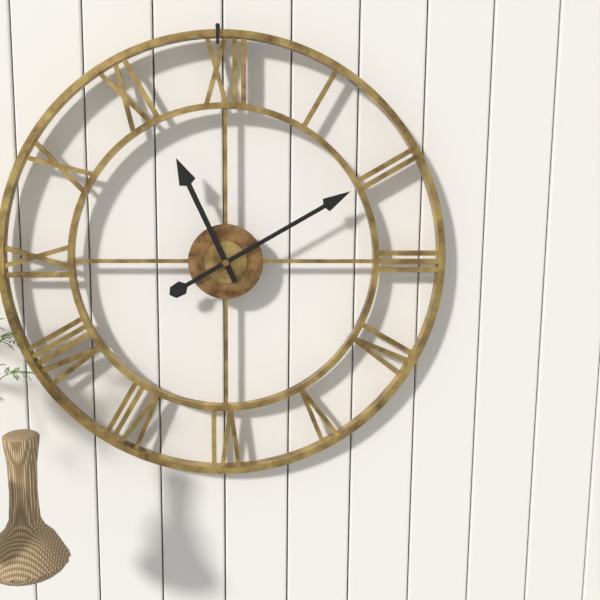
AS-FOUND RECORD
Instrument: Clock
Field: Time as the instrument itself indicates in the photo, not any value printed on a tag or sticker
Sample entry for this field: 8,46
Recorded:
11,10
